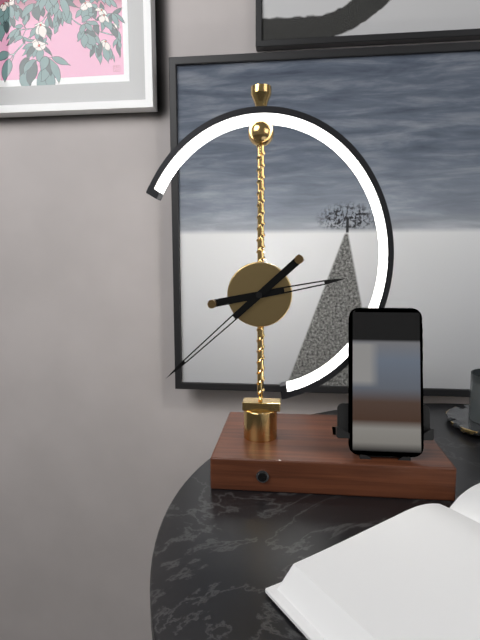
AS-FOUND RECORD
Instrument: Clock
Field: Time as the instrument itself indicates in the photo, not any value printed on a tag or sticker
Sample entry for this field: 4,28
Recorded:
2,38
